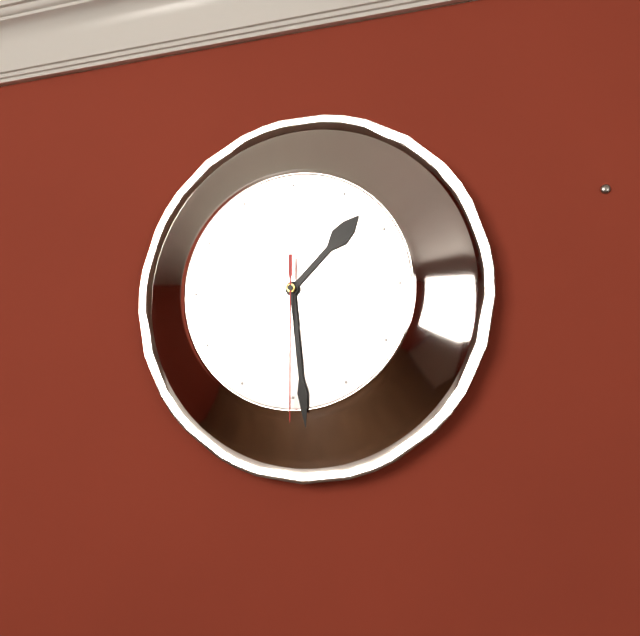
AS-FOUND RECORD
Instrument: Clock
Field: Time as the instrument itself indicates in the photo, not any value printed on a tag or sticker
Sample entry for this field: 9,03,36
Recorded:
1,29,30
